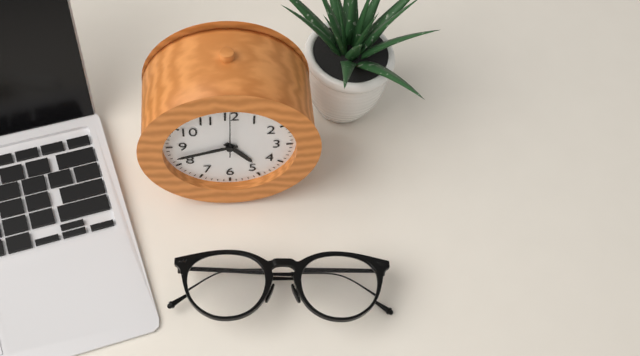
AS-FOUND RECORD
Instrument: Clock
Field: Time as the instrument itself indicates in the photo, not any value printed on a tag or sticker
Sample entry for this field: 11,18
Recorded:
4,42
